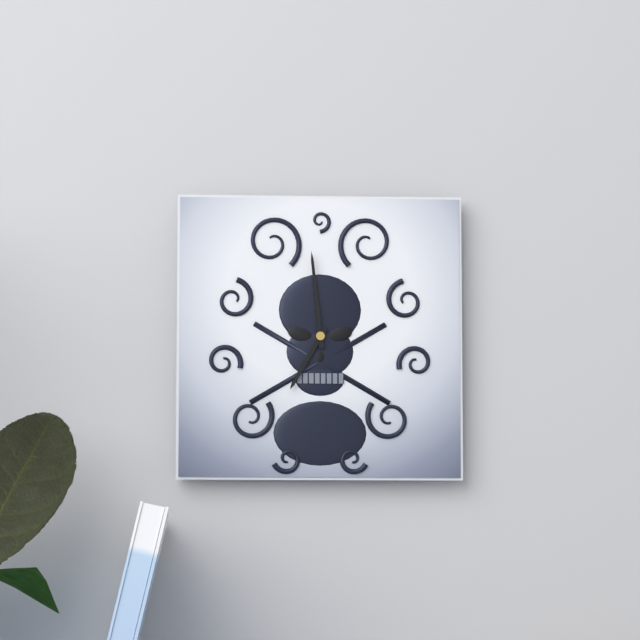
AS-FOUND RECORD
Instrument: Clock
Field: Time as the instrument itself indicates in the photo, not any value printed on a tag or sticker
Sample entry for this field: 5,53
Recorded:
6,59
